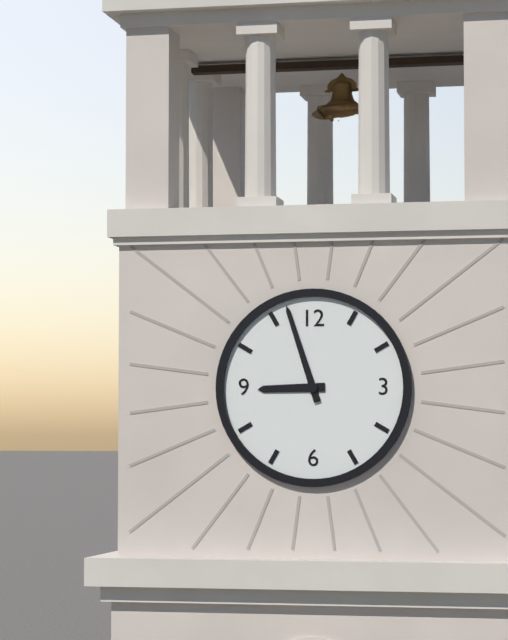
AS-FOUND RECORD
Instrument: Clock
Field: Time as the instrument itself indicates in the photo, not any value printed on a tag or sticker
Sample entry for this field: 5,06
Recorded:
8,57
